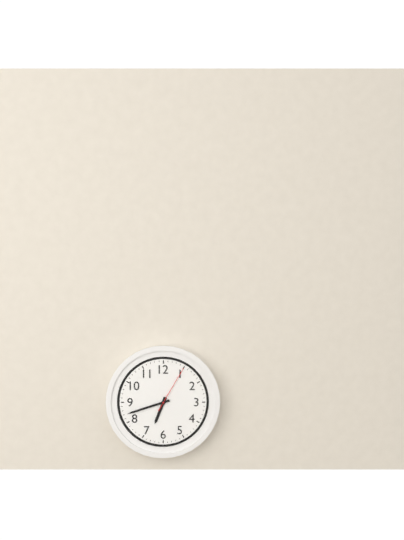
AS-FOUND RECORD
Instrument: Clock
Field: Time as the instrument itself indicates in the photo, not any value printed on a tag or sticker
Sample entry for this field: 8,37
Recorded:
6,42
